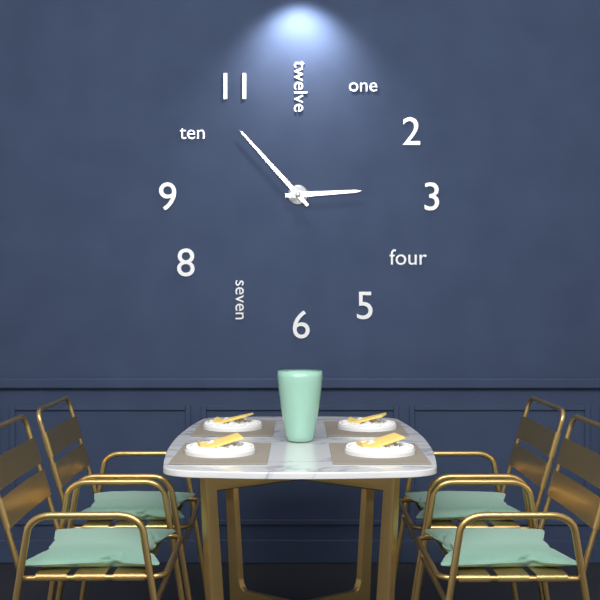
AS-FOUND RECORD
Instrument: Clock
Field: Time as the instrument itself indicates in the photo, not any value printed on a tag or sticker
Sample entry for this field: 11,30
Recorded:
2,53
